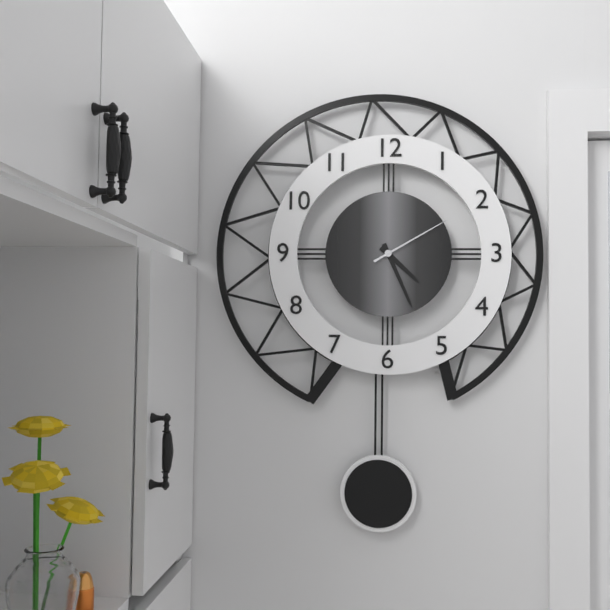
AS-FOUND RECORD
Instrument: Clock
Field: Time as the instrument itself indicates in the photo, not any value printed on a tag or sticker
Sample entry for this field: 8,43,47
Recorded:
4,26,10
